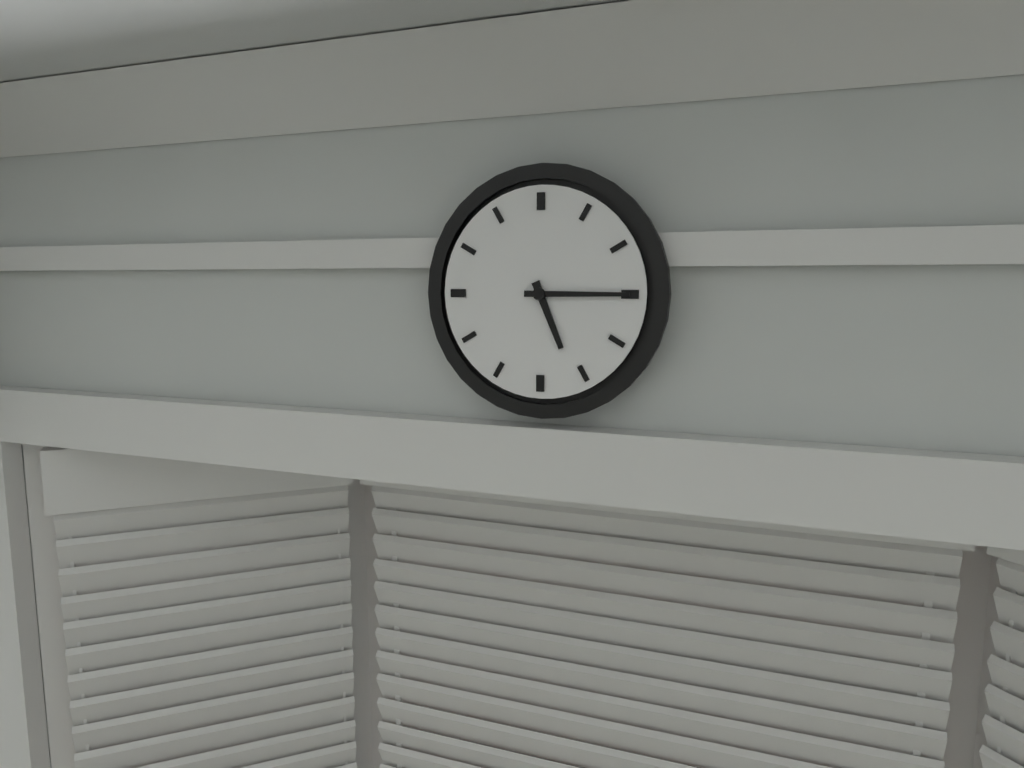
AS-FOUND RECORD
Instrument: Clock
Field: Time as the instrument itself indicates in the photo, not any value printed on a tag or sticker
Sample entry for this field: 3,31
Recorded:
5,15
